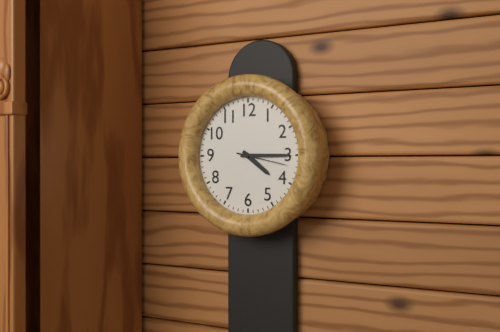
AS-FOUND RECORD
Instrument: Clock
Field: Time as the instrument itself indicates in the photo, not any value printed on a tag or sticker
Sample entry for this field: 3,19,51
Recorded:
4,15,17
